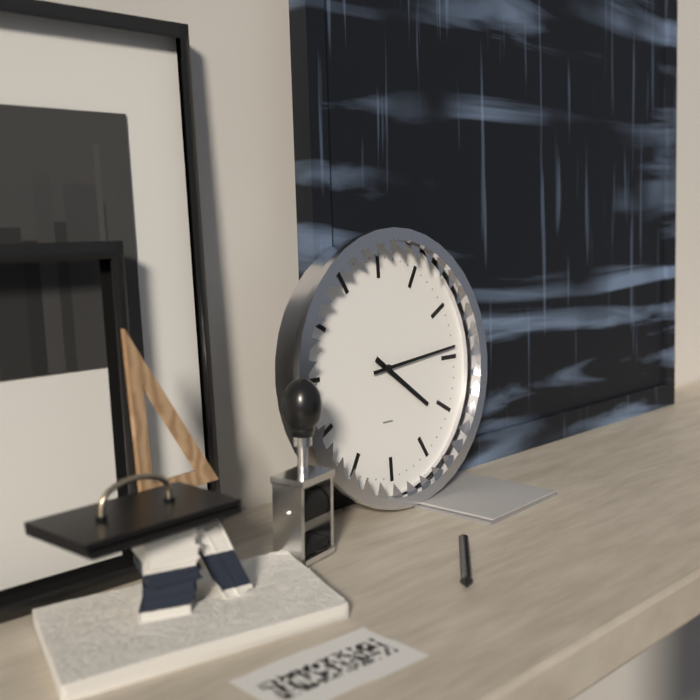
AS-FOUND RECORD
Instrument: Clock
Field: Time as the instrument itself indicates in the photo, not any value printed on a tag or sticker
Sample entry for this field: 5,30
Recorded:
4,14
